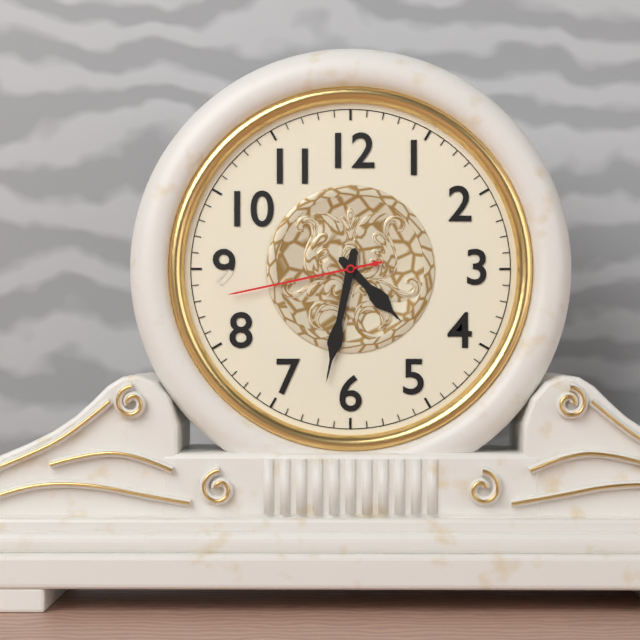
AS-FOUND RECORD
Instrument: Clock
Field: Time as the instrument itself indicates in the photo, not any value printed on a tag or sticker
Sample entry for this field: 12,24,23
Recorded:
4,32,43
